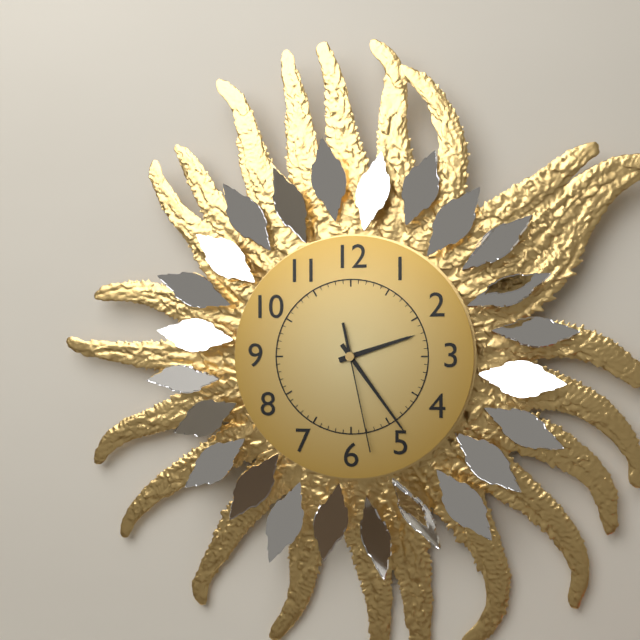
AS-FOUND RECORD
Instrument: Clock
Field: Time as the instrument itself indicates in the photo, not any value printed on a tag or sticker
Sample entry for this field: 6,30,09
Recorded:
2,24,28
